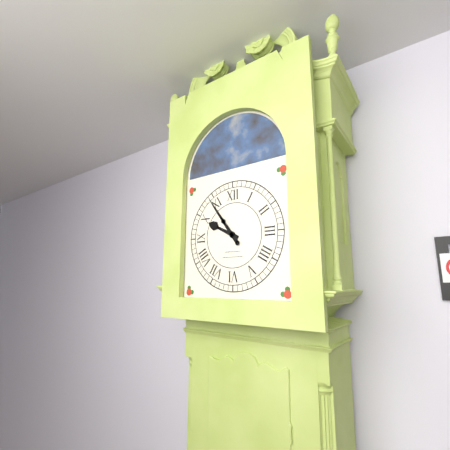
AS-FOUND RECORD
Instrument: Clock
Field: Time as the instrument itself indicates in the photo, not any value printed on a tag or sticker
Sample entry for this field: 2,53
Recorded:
9,54
